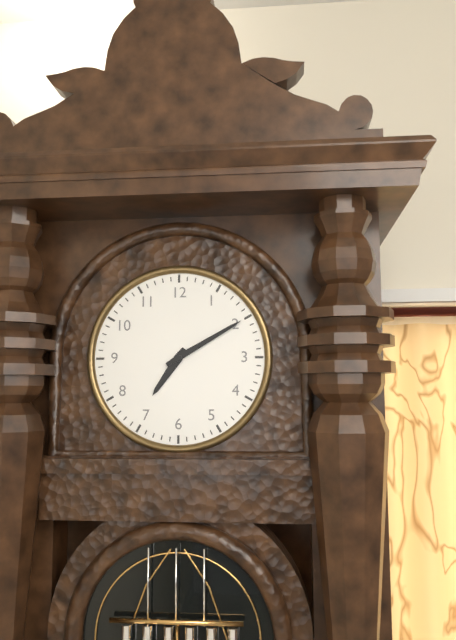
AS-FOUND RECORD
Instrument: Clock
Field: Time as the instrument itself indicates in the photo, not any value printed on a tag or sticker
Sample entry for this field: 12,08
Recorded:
7,10
